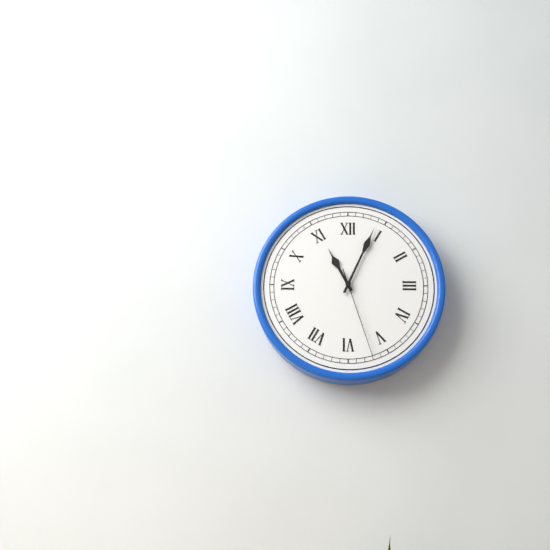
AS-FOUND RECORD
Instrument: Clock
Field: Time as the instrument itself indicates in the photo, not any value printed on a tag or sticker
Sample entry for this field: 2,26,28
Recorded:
11,04,27
